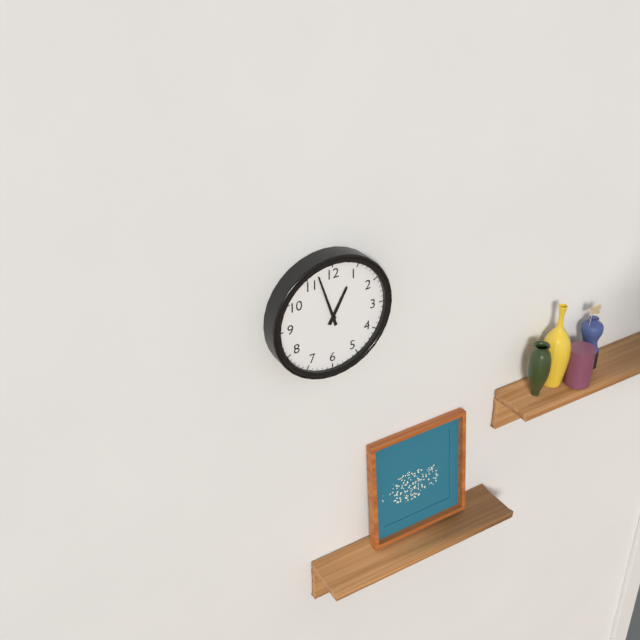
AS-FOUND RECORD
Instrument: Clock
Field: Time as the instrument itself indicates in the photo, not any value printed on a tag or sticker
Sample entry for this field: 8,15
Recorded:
12,57
